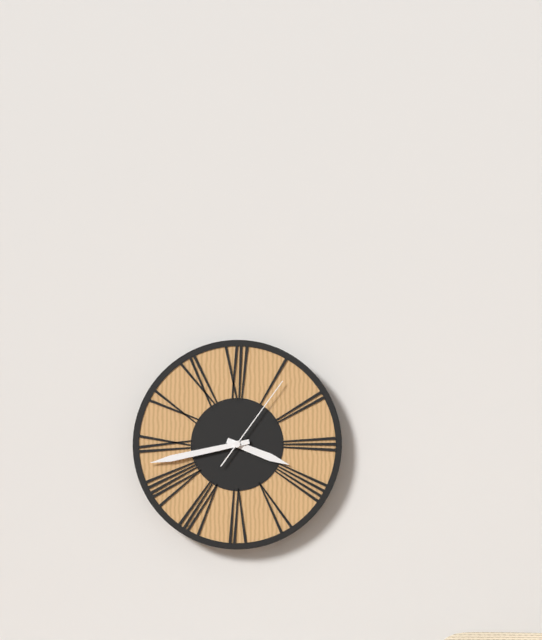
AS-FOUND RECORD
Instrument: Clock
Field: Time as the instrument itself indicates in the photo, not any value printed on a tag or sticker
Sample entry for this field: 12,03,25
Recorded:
3,43,06
